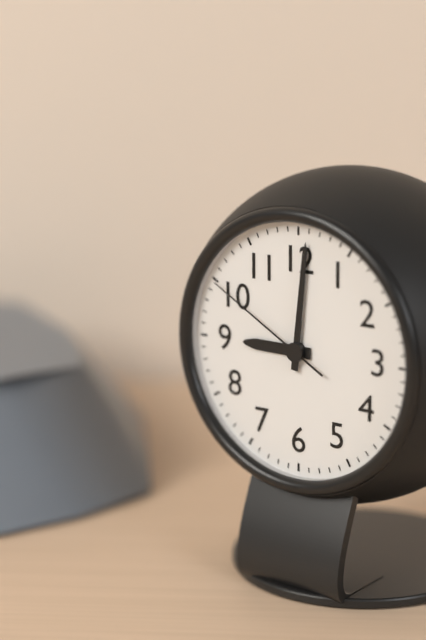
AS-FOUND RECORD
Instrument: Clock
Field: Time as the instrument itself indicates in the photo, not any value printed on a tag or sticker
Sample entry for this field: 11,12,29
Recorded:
9,01,50
